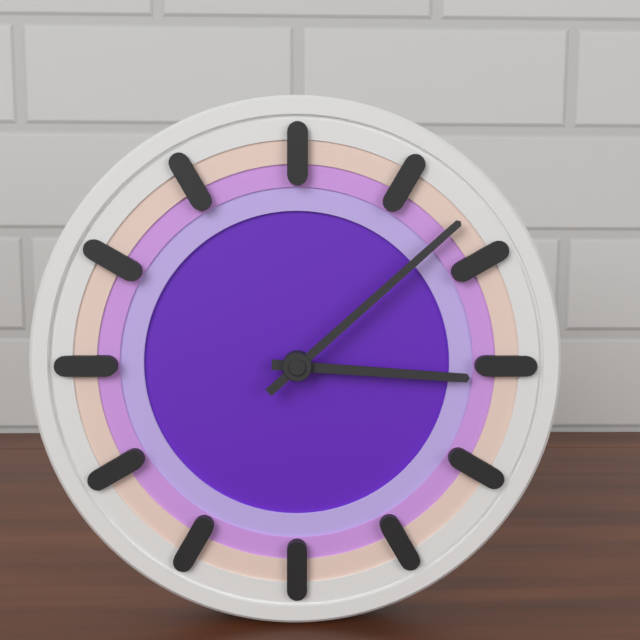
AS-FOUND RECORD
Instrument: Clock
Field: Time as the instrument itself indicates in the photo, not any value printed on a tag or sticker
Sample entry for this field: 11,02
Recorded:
3,08
